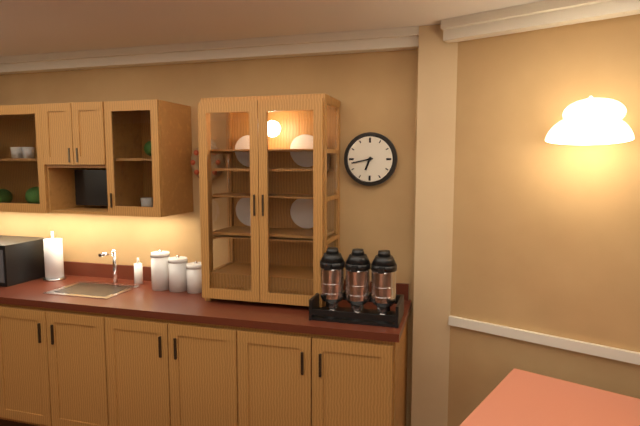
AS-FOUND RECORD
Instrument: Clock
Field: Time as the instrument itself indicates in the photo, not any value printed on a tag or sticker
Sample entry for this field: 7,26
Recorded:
6,43
